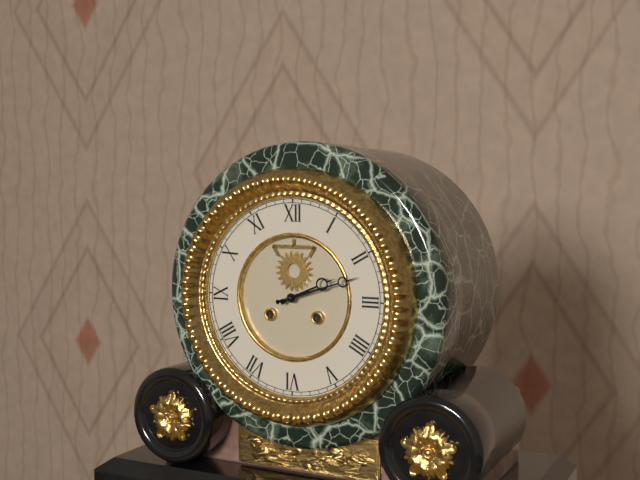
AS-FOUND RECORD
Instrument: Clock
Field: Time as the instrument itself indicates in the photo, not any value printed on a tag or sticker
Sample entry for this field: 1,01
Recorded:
2,12
